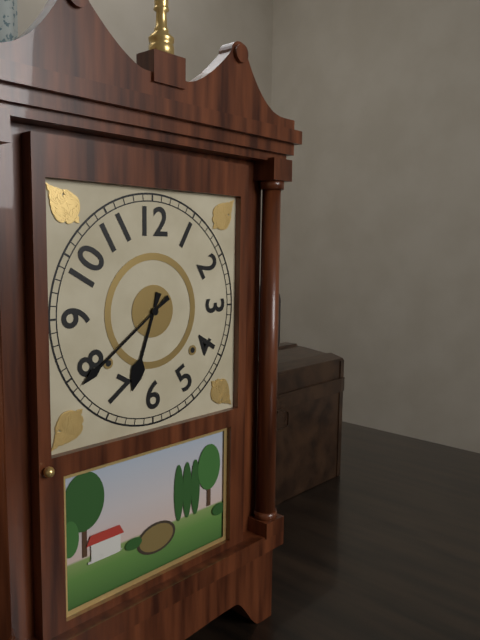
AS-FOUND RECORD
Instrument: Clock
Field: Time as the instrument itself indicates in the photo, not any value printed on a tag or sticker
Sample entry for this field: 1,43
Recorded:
6,39
